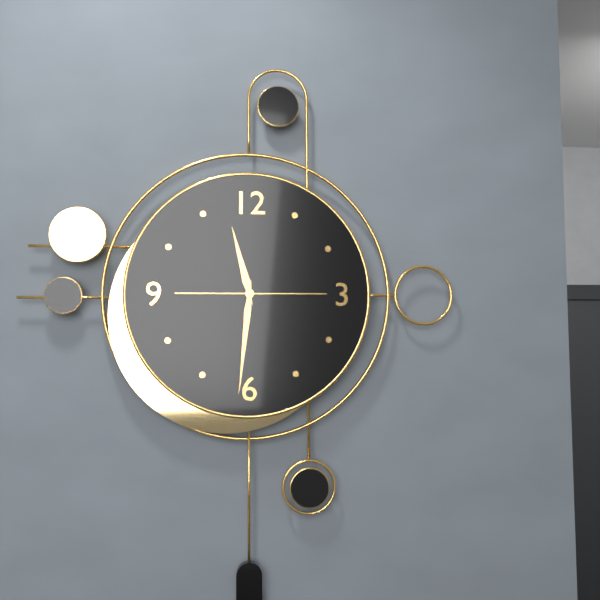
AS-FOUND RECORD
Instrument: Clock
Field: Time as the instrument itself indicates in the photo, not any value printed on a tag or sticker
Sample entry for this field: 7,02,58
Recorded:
11,31,15
